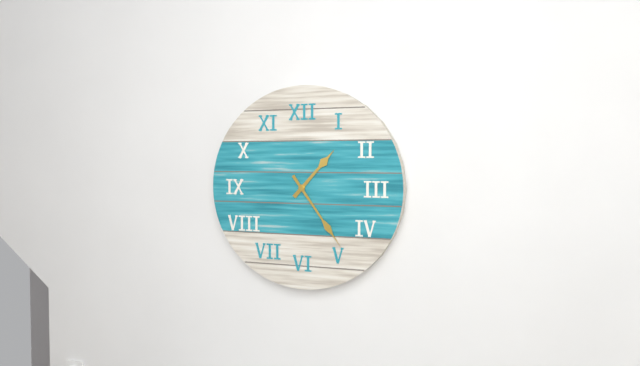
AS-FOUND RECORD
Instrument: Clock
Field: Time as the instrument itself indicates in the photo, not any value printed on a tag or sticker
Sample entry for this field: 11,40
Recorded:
1,24
